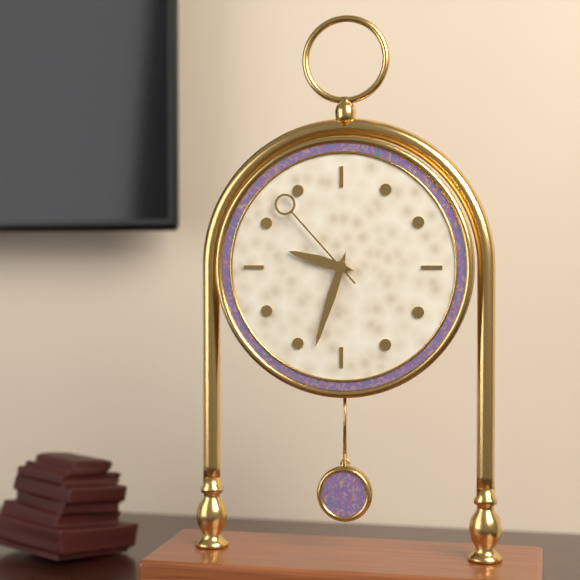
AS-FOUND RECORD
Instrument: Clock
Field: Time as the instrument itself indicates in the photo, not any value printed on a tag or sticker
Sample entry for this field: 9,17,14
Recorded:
9,33,53
